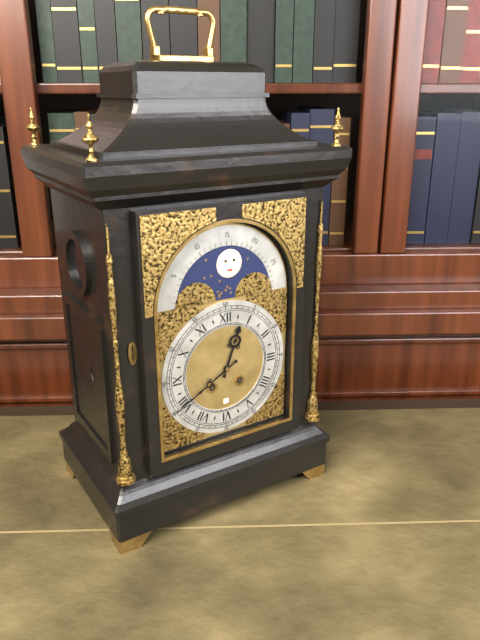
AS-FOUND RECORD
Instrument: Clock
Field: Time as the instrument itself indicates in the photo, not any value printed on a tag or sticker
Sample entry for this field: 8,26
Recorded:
12,40
